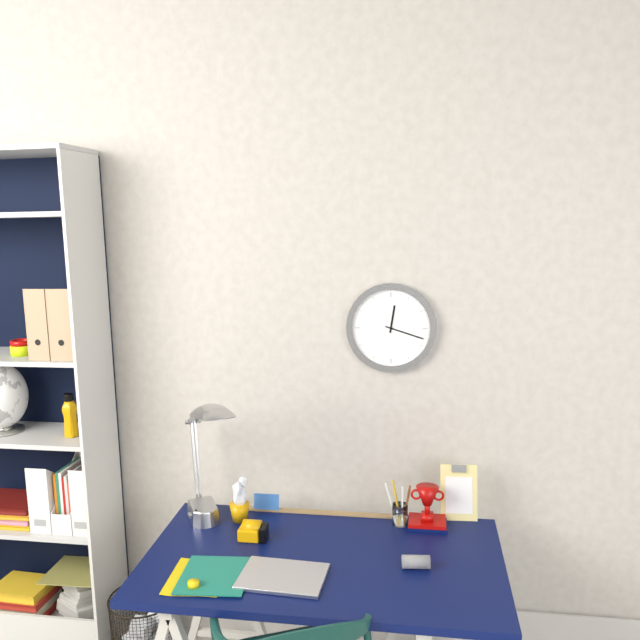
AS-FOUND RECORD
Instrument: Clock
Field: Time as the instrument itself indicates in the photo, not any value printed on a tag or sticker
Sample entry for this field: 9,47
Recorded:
12,18
